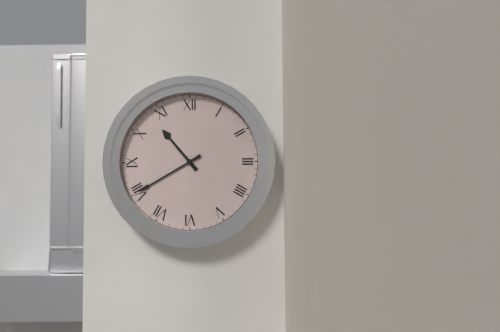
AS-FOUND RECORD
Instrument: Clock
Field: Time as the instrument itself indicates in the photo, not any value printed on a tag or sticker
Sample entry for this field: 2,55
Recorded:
10,40
